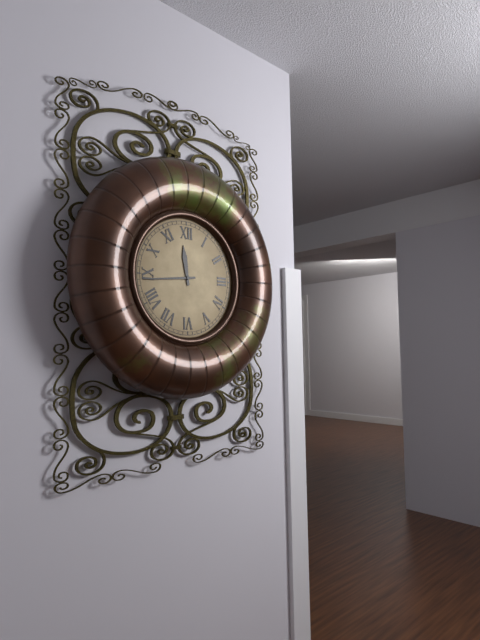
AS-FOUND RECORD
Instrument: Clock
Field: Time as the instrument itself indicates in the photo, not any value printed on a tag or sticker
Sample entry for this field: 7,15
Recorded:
11,44
